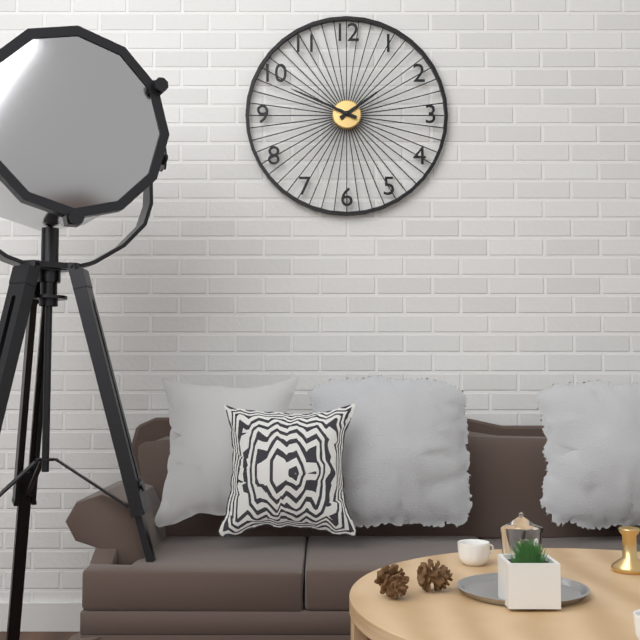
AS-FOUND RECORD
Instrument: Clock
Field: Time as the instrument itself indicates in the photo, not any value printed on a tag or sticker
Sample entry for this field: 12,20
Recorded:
1,49
